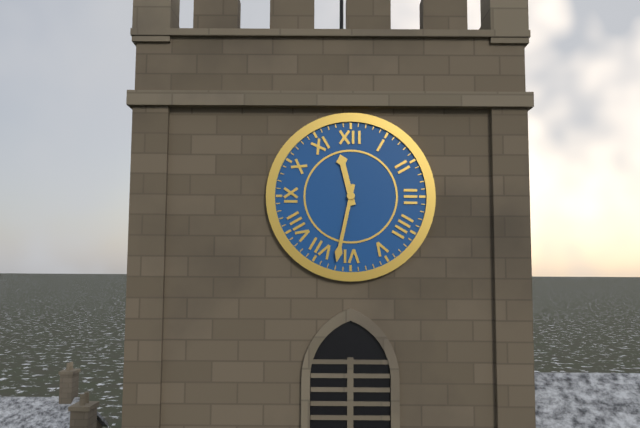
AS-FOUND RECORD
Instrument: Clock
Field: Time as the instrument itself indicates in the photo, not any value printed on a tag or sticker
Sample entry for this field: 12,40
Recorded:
11,32
